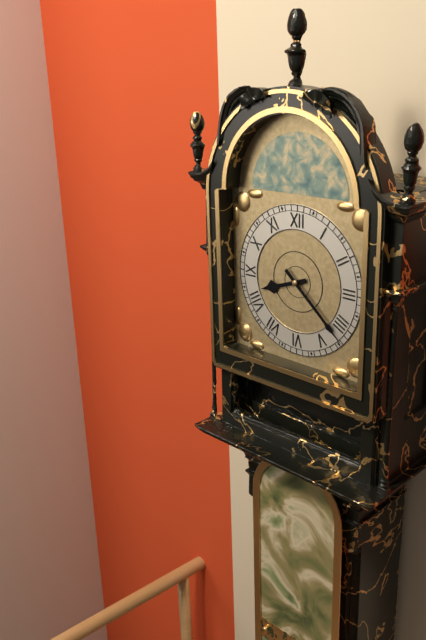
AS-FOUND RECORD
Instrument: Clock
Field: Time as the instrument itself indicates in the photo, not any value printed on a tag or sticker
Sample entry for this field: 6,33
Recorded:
8,22
